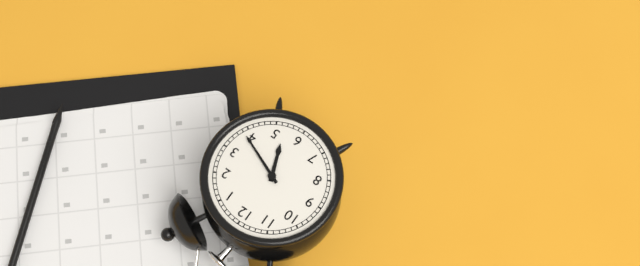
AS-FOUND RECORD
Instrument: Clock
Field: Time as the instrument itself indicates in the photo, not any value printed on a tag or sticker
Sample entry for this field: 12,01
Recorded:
5,19
